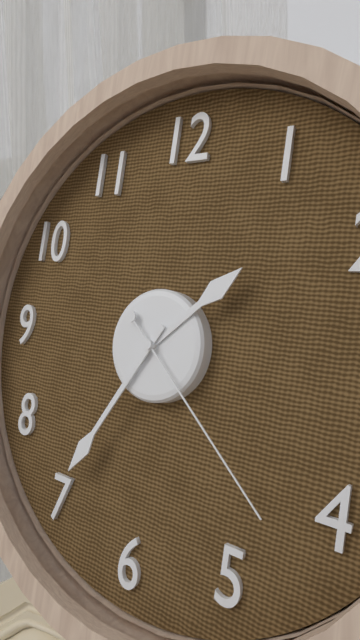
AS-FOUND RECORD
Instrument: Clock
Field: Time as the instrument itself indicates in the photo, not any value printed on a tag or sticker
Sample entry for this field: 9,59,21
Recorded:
1,35,22
